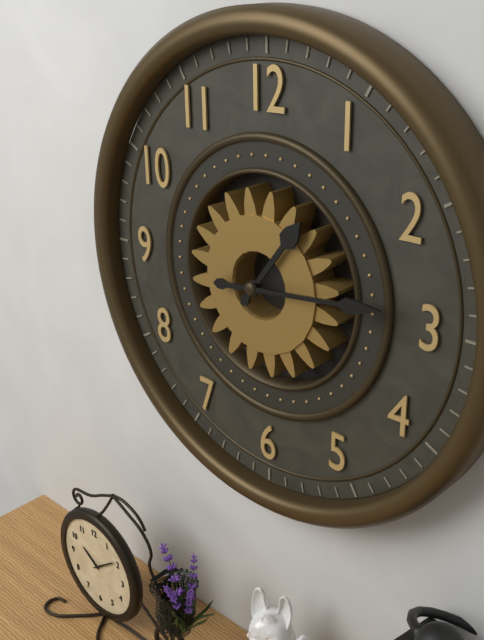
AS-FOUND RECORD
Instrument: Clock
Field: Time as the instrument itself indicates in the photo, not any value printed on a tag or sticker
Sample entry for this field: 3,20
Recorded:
1,14
